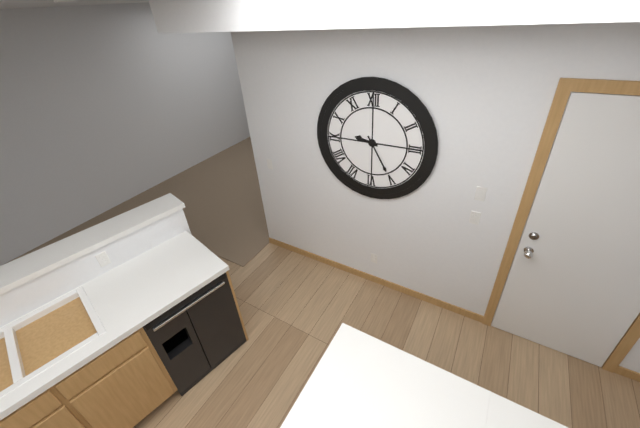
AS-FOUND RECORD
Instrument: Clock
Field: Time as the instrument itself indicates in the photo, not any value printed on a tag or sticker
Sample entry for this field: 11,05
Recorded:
9,25
